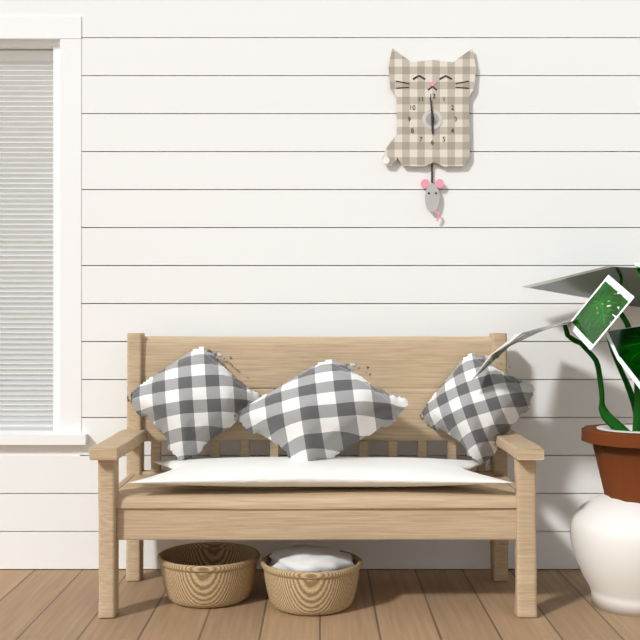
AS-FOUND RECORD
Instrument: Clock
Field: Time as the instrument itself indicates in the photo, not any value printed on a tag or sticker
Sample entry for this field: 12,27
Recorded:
5,59
